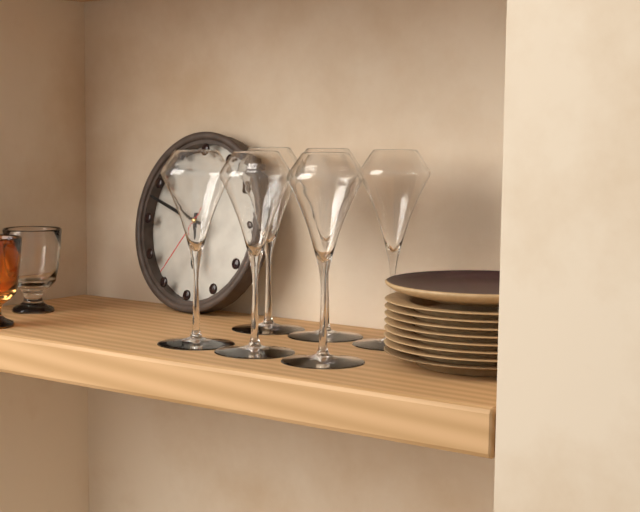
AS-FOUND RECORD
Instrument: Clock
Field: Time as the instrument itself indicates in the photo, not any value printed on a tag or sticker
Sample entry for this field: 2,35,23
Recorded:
5,48,36
